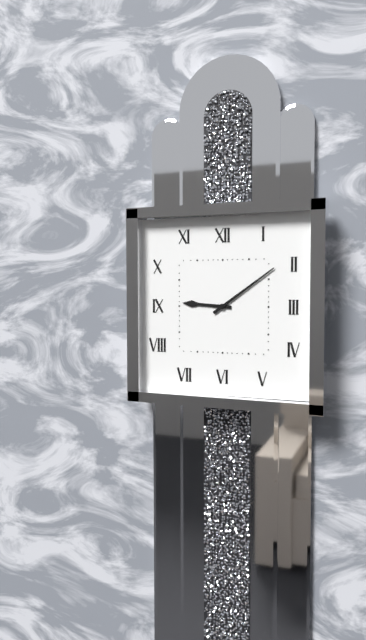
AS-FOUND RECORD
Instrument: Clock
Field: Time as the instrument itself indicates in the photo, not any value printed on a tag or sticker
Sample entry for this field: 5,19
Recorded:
9,09
